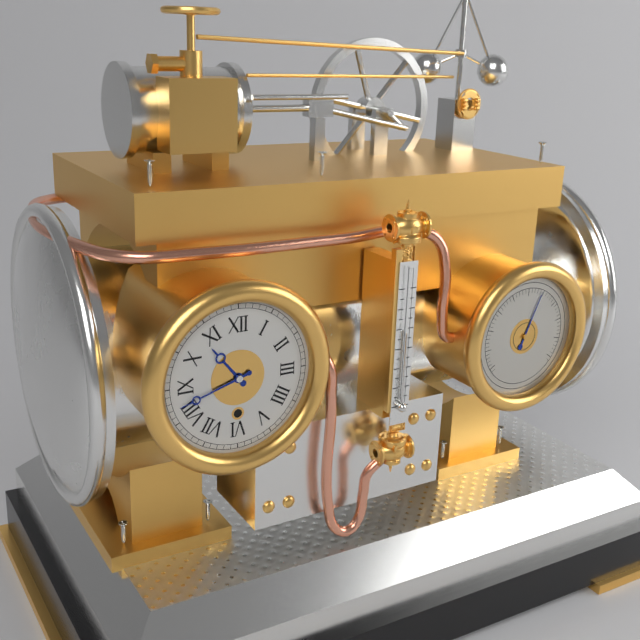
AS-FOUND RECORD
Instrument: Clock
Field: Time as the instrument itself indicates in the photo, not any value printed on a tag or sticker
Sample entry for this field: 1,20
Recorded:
10,42
